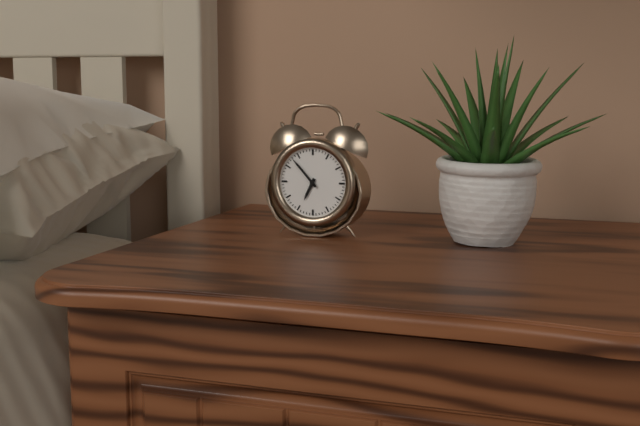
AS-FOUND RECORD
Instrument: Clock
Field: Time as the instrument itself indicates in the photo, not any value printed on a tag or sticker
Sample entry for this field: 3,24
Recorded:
6,53
